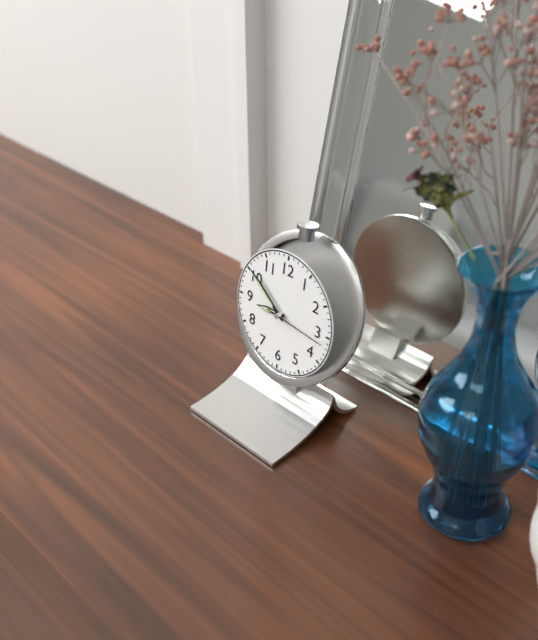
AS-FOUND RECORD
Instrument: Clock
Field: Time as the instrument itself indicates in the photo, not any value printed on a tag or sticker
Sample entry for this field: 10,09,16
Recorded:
8,51,16
